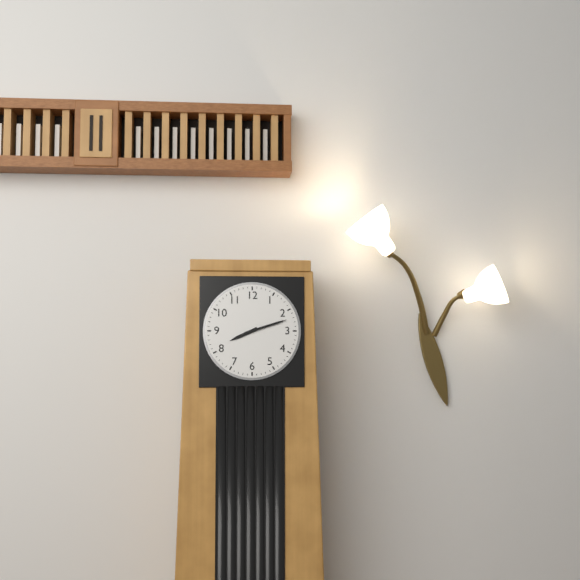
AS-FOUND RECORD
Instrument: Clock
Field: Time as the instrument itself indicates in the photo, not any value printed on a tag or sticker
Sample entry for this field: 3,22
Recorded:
8,12
